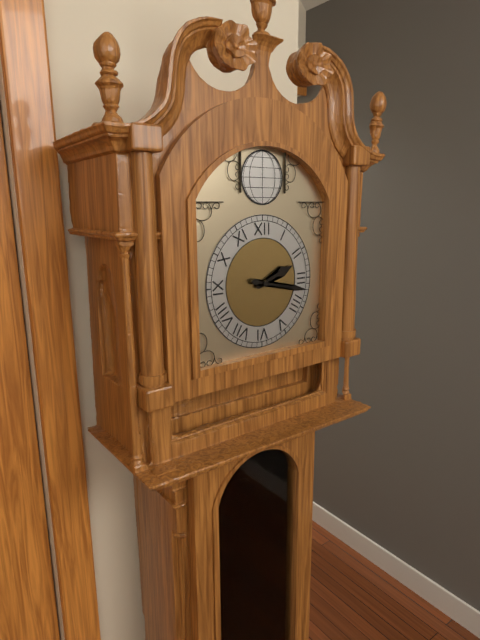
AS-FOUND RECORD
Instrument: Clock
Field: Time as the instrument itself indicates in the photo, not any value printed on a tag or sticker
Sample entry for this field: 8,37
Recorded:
2,17
